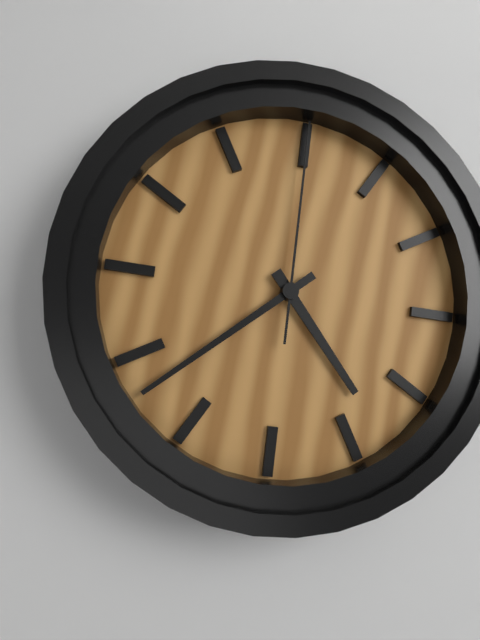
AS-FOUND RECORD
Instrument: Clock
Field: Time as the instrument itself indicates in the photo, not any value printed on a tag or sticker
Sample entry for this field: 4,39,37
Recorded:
4,38,00
